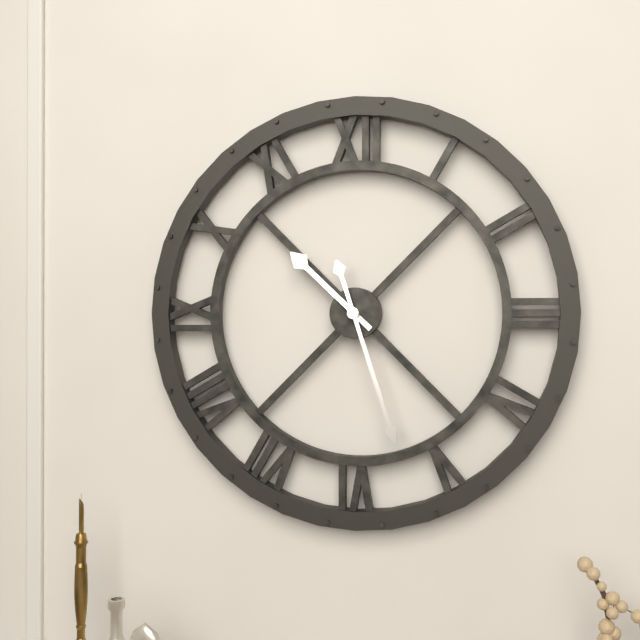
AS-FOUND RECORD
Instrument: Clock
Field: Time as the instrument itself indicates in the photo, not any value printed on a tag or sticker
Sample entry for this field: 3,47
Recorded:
10,27
